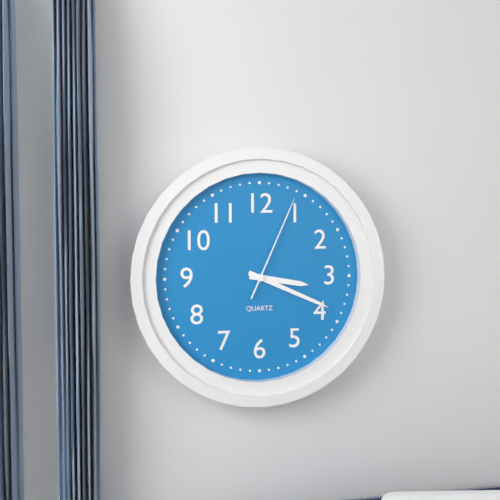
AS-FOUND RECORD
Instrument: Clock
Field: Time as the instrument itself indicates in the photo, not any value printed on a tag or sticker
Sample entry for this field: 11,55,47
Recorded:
3,19,04
